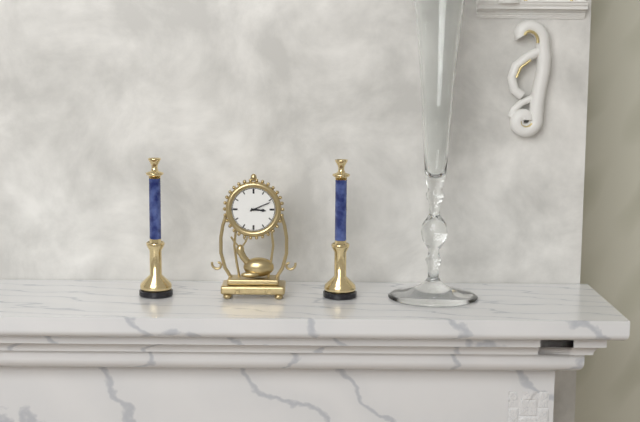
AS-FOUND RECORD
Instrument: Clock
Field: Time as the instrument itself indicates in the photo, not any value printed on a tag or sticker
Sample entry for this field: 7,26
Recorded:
3,11
